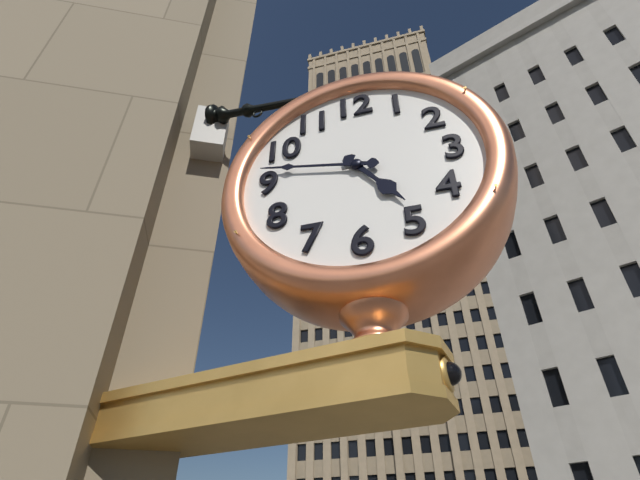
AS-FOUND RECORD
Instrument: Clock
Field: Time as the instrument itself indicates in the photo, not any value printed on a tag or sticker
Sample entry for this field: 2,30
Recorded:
4,47
